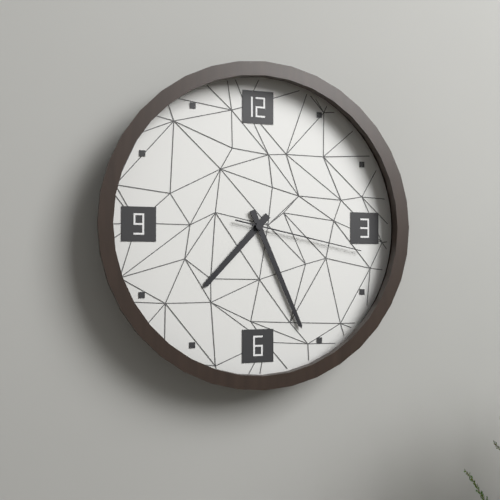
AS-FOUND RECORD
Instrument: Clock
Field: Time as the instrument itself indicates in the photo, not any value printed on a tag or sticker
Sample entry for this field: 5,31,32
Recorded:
7,26,17
